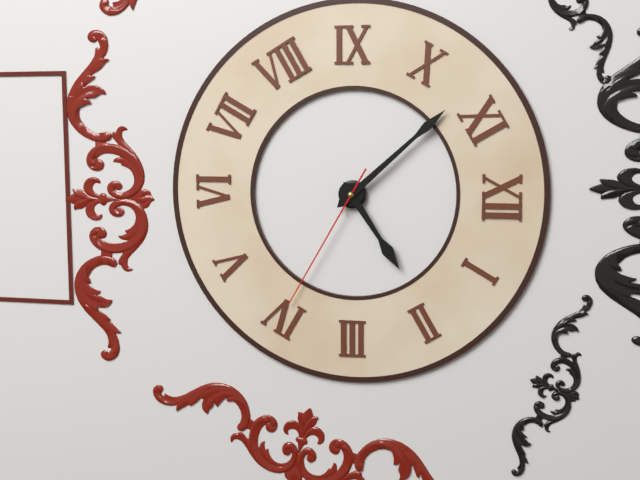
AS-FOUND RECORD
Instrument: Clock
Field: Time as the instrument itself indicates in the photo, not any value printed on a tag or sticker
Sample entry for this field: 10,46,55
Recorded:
1,53,20
